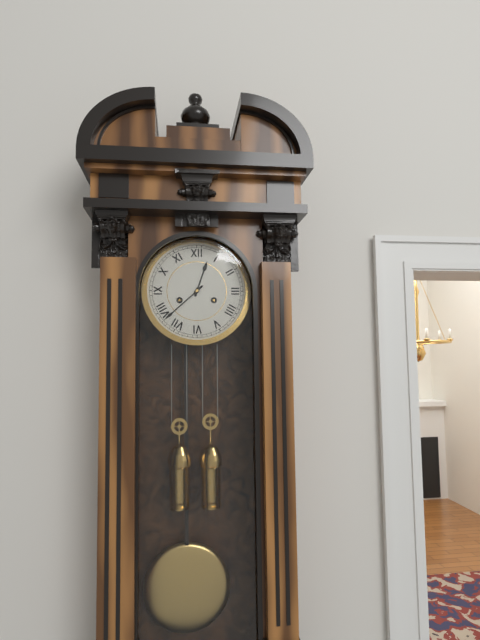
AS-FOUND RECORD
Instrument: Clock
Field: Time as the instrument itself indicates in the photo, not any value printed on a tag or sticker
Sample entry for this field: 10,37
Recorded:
12,38
